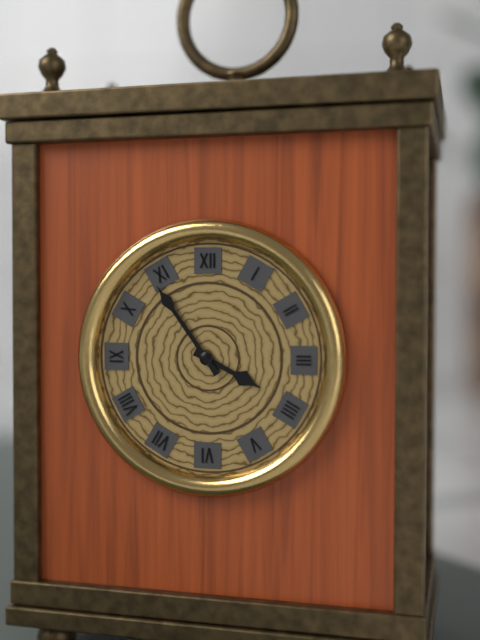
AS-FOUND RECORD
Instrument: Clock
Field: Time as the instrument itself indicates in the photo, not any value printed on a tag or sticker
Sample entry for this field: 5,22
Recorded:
3,54
